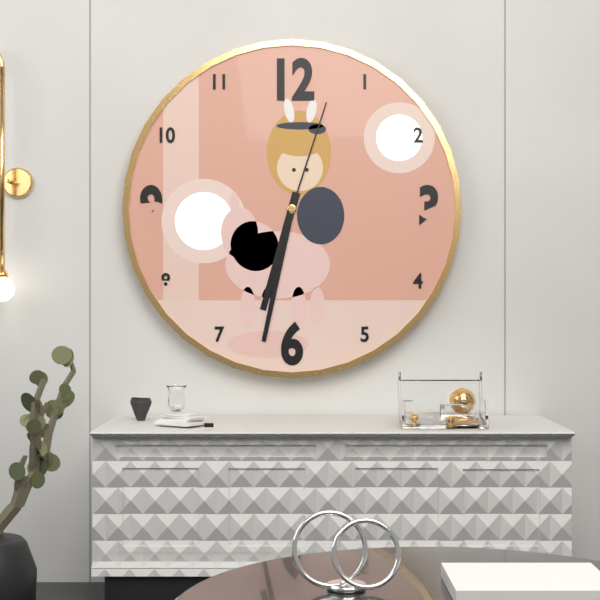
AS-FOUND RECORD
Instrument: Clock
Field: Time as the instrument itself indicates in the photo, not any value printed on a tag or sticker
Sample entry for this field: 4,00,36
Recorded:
6,32,03
